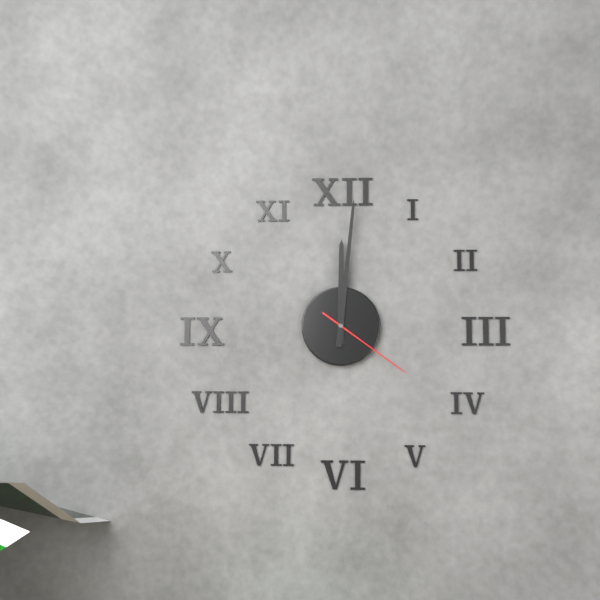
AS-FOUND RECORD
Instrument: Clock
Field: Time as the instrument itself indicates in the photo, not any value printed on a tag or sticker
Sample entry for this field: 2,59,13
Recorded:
12,01,21
